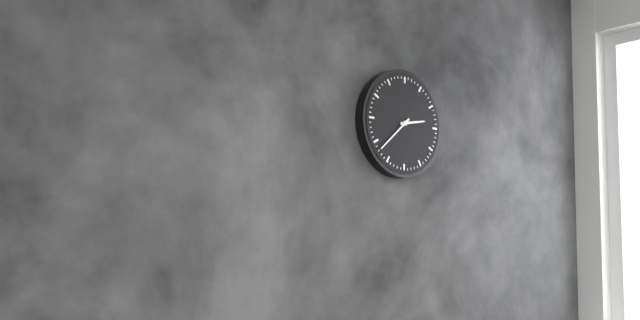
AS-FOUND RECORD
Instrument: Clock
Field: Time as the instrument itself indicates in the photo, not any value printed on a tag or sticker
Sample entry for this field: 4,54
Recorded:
2,38
